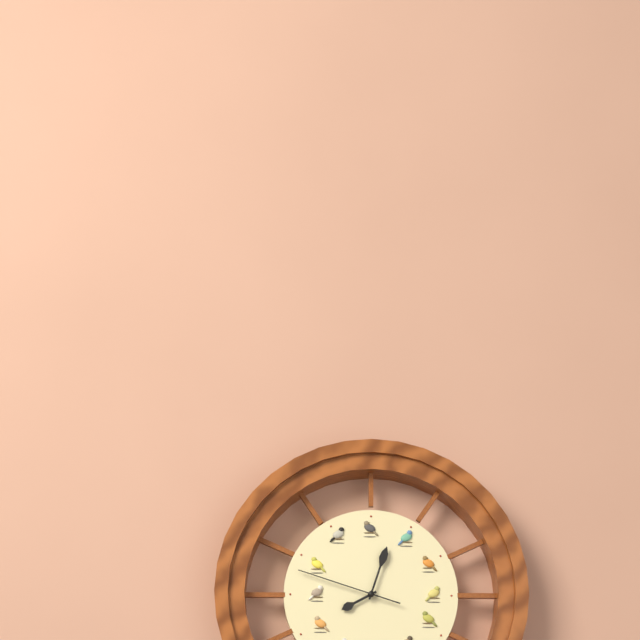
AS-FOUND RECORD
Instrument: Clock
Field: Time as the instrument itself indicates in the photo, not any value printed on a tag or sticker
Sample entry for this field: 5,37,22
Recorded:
8,03,48
